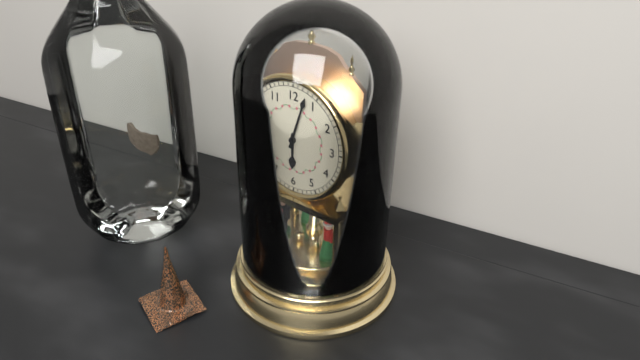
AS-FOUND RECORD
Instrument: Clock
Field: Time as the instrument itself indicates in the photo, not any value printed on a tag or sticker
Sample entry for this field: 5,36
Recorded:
6,03
